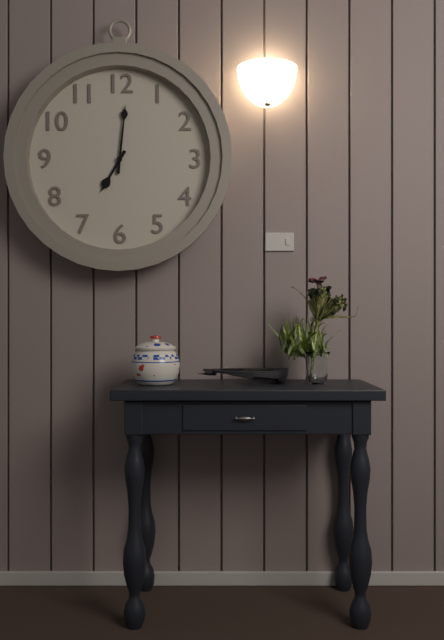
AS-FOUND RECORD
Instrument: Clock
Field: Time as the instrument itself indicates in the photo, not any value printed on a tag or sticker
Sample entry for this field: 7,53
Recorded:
7,01
